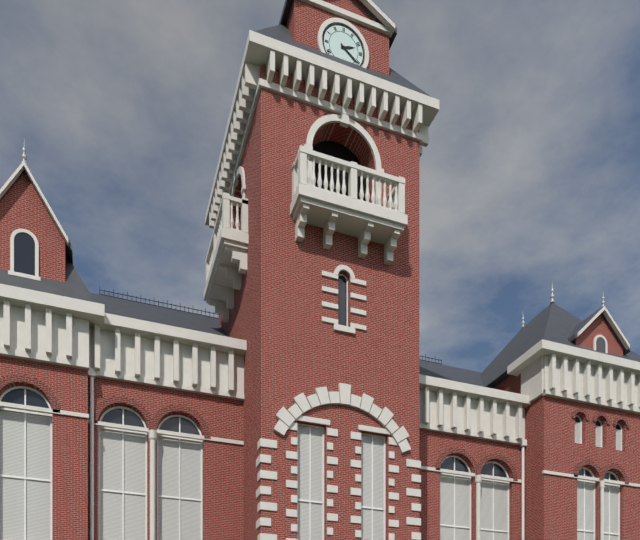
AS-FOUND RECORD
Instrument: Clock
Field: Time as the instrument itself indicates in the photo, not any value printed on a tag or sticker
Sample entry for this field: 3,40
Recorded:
2,21
